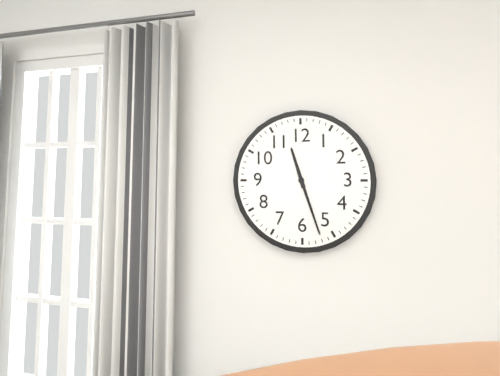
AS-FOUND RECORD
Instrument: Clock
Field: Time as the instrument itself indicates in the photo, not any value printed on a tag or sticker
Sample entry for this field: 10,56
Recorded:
11,27
